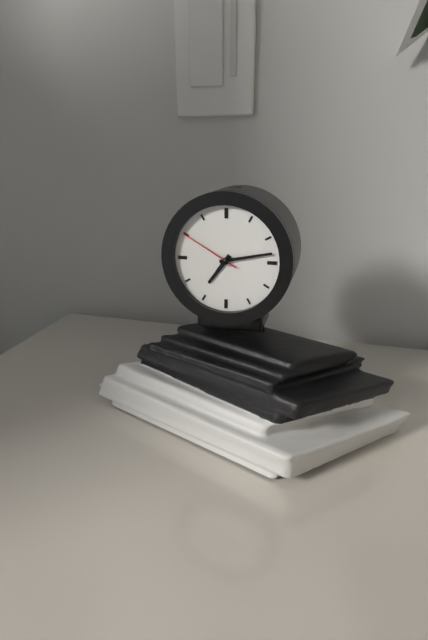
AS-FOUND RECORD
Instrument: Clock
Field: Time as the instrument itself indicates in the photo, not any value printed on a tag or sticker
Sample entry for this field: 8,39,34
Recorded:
7,13,50
